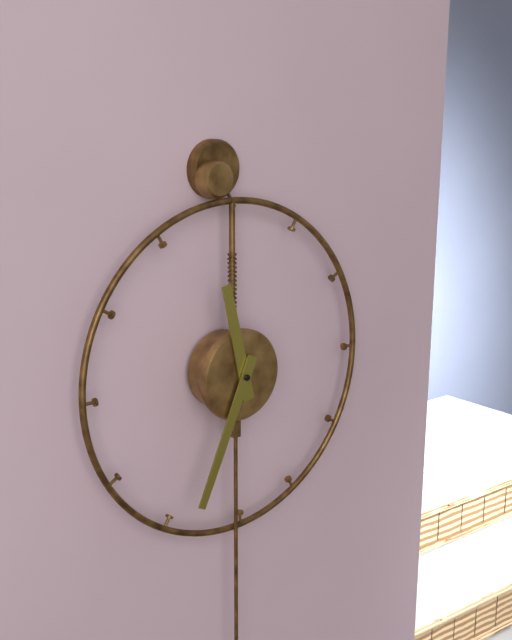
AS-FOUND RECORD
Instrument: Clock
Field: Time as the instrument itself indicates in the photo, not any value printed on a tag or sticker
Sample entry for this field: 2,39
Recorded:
11,34
